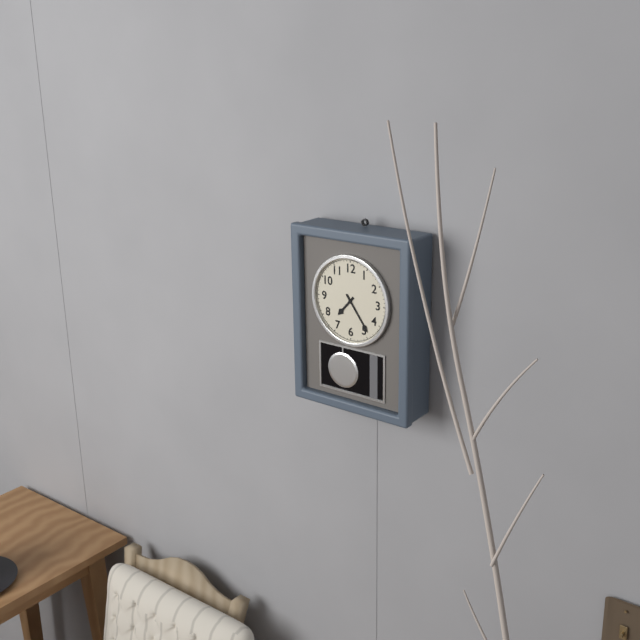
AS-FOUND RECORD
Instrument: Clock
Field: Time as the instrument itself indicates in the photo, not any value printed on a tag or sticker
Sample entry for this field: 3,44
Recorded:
7,24
